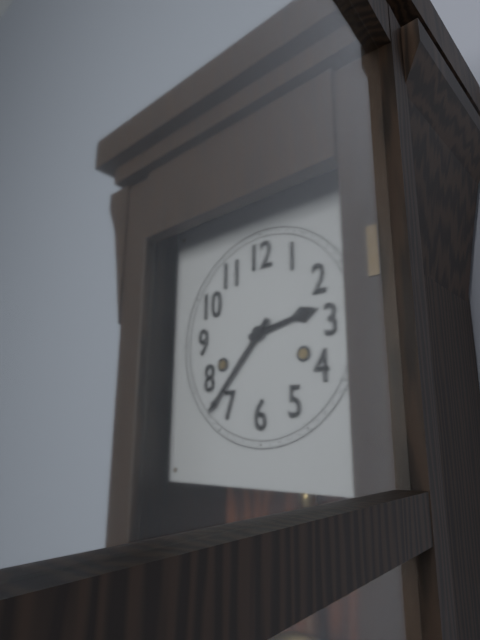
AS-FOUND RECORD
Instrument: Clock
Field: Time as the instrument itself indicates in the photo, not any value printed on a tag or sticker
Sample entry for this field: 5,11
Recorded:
2,37
